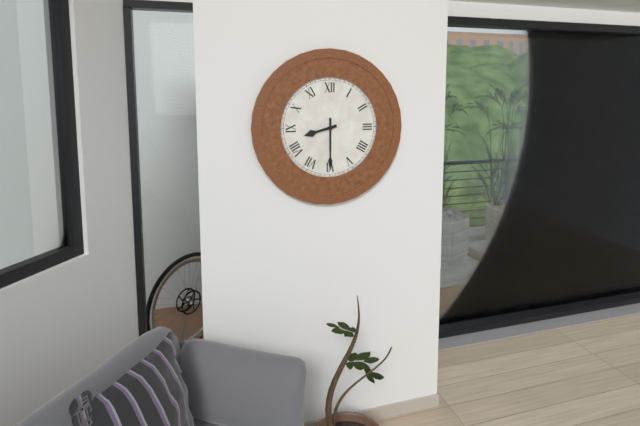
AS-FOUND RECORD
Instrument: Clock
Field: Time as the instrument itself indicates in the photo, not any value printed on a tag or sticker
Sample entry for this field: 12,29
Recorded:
8,30
